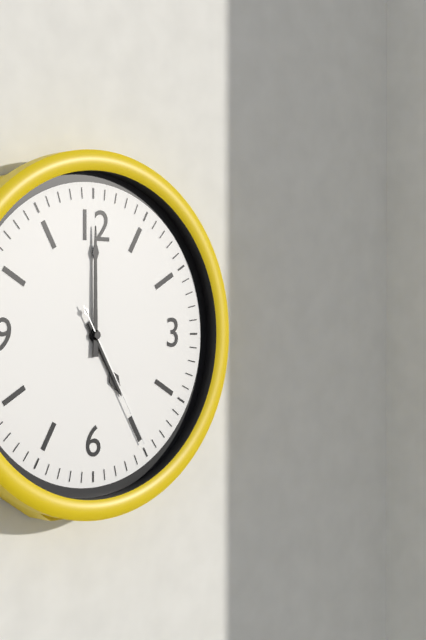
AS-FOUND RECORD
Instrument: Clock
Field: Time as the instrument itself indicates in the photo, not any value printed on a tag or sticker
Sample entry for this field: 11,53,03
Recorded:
5,00,25
